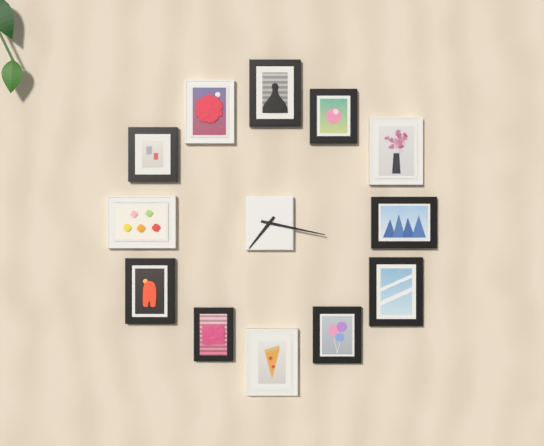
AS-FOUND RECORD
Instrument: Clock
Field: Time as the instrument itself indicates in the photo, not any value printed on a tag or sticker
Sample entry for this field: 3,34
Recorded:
7,17
